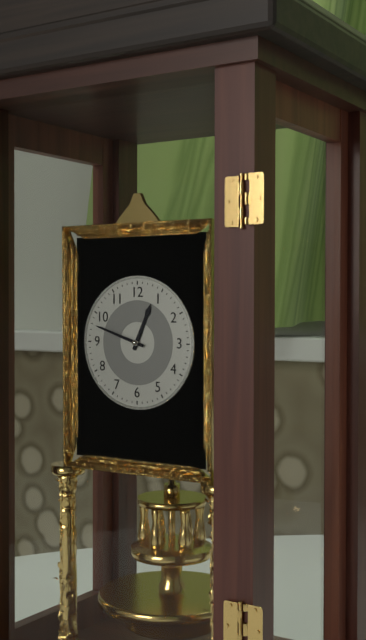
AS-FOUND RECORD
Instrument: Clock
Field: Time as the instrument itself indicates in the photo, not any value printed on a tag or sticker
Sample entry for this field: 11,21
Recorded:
12,48
